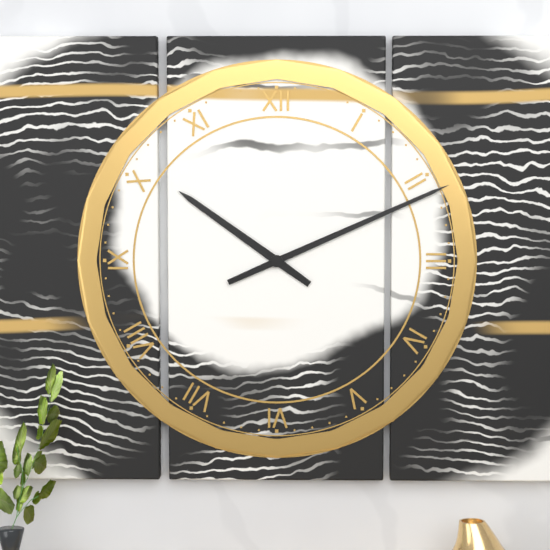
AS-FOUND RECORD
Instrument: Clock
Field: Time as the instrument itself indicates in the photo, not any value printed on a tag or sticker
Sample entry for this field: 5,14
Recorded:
10,11
